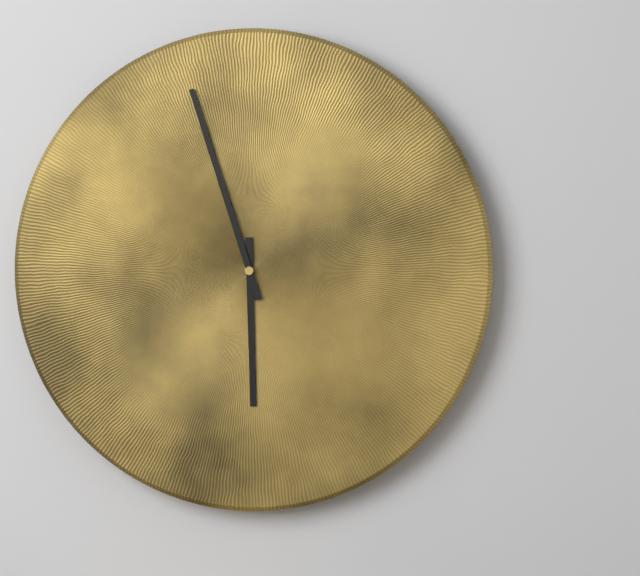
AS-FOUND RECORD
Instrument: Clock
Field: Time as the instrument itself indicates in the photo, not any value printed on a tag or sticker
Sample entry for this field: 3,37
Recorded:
5,57
